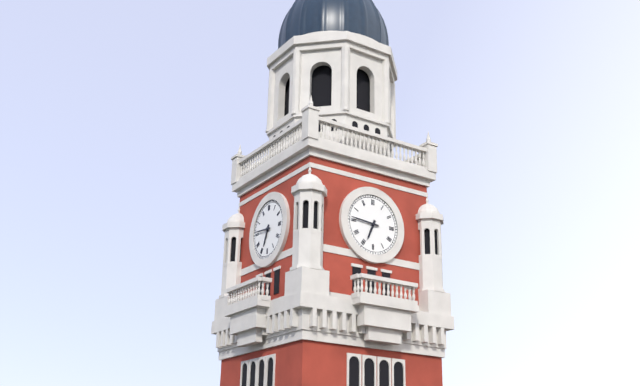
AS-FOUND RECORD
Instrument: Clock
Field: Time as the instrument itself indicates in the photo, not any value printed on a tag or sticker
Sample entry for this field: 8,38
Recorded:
6,46
